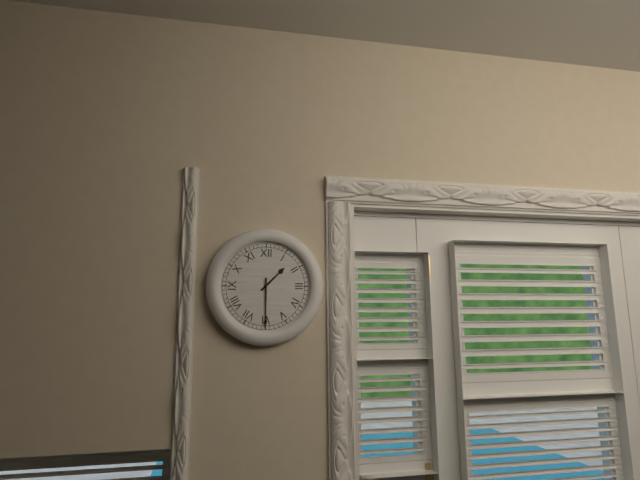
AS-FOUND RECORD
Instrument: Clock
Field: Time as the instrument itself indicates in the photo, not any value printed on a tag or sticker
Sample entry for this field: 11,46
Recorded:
1,30
